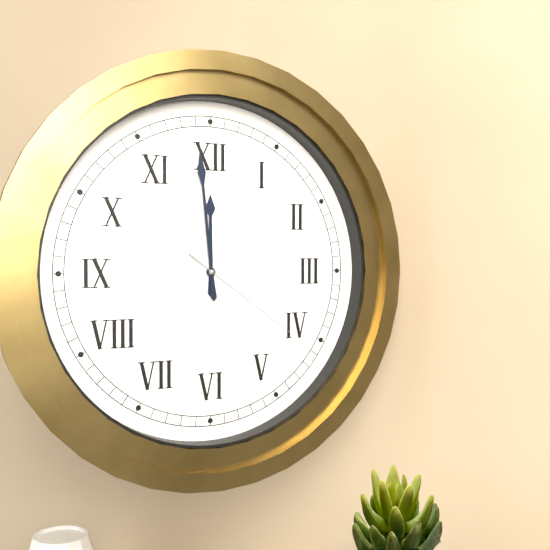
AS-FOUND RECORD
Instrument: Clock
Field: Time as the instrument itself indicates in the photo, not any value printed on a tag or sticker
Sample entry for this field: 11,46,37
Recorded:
11,59,21
